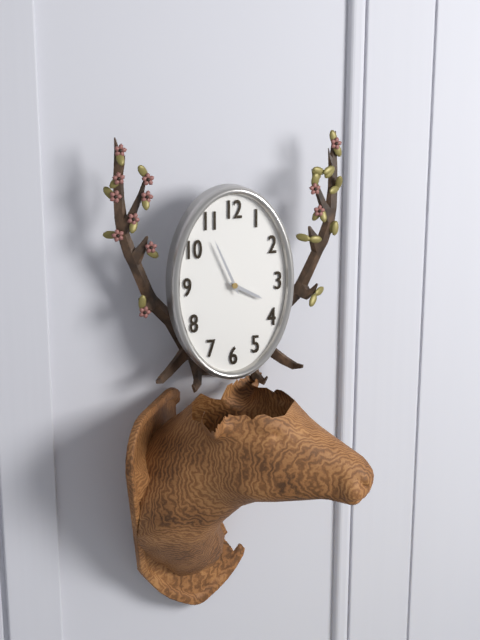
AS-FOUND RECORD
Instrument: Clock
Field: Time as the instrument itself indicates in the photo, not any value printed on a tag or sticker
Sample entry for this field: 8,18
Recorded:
3,56
